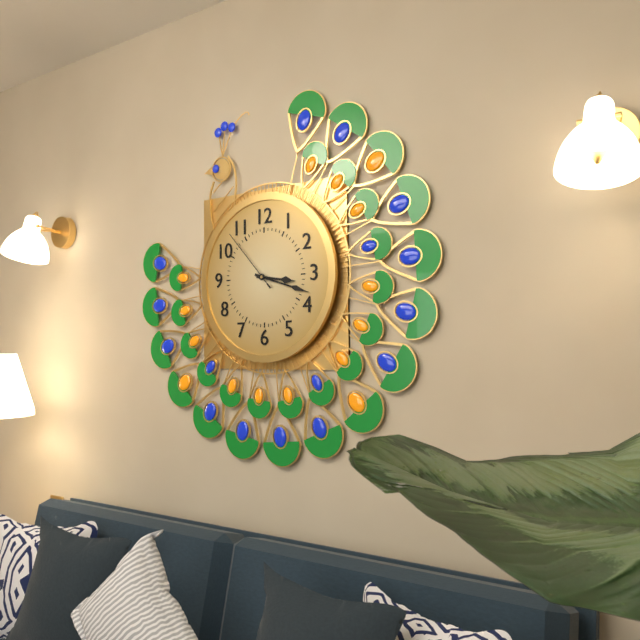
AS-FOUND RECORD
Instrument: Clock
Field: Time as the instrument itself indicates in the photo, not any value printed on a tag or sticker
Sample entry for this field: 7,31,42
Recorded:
3,18,53
